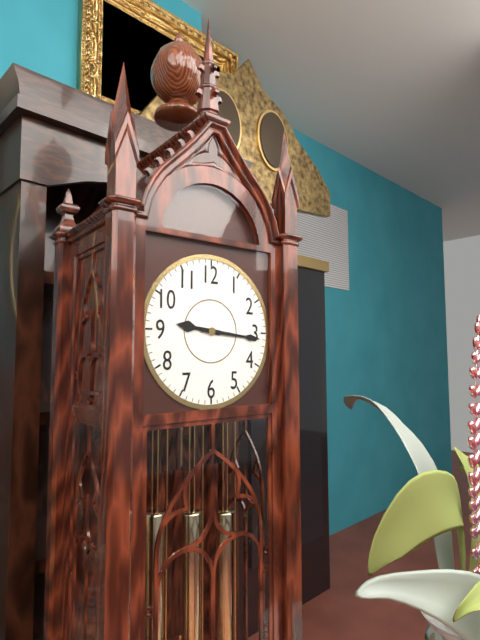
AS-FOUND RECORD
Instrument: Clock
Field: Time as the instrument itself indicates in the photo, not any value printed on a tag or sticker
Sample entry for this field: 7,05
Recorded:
9,16
